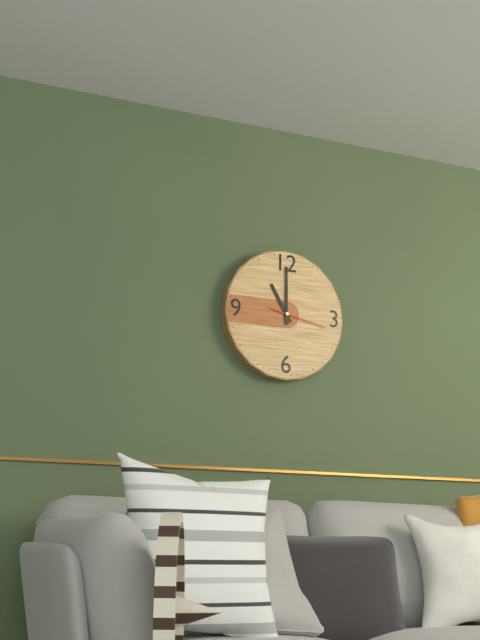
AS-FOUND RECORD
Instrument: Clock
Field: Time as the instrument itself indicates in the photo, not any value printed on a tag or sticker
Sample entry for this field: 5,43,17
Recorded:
11,00,17
